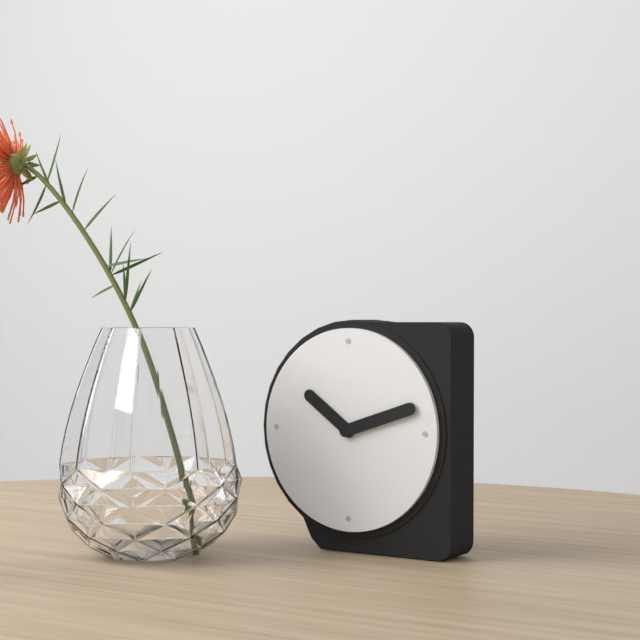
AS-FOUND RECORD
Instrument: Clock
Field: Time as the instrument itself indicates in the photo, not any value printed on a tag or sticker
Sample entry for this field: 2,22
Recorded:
10,12
